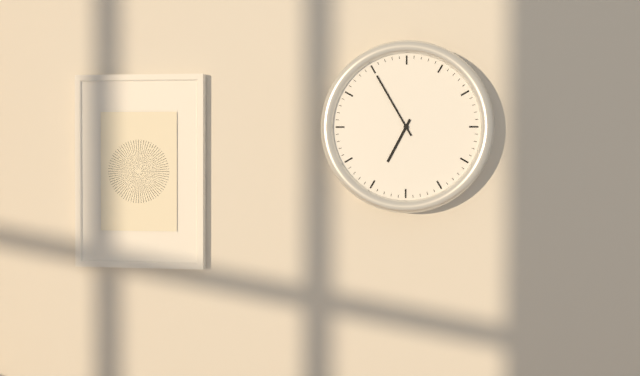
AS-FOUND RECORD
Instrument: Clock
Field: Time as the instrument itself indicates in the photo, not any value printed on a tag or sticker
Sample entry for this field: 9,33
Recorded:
6,55
